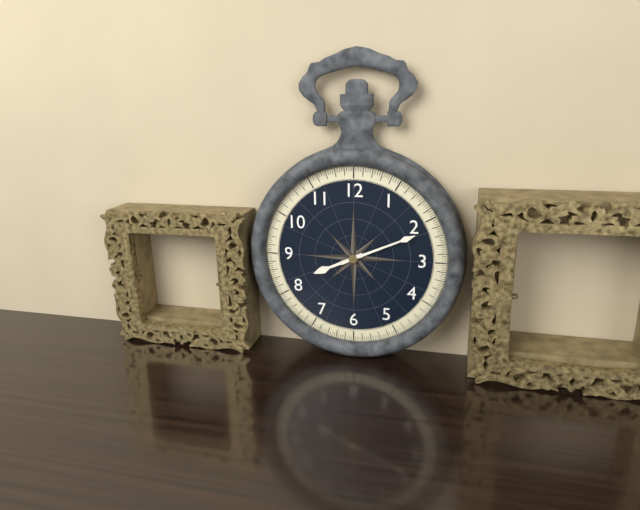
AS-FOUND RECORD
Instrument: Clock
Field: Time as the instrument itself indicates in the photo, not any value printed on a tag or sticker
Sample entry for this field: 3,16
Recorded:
8,11
